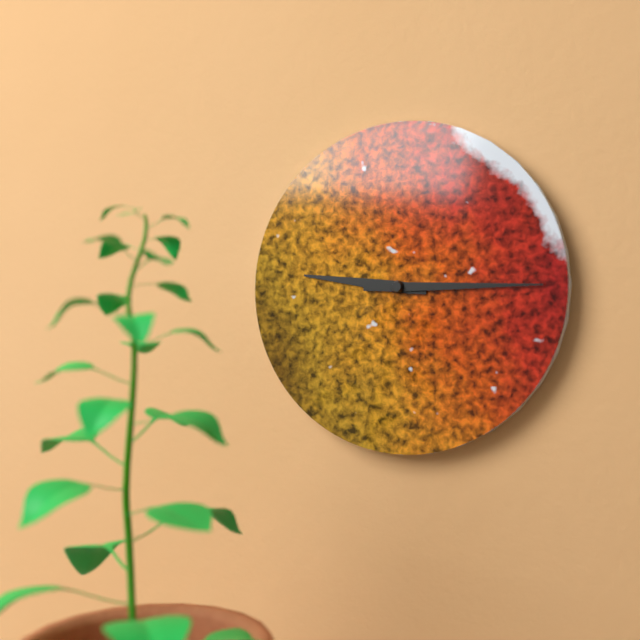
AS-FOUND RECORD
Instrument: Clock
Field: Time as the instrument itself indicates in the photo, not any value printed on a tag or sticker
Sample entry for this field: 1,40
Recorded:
9,15
